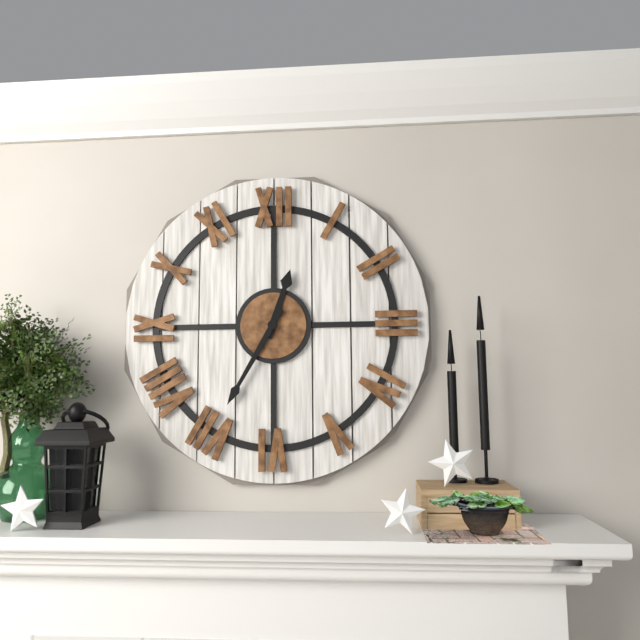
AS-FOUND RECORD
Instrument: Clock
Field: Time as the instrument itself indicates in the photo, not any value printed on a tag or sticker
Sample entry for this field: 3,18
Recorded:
12,35
